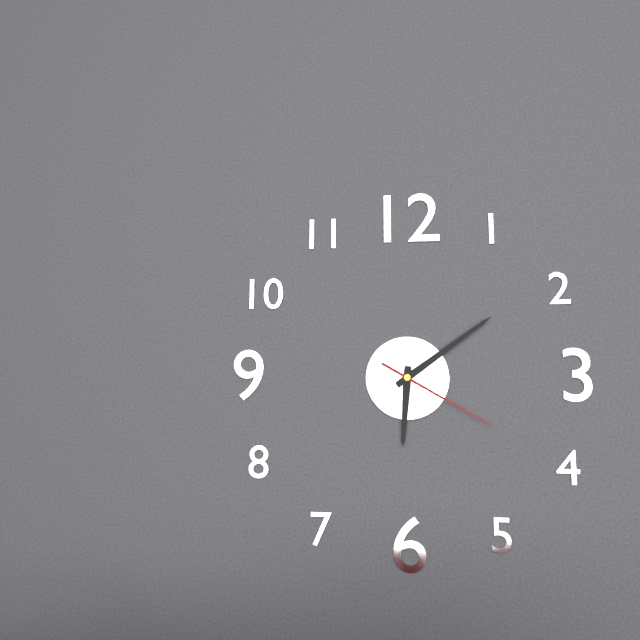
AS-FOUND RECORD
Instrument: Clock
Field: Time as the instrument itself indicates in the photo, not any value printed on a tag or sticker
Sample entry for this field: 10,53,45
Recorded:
6,09,20
